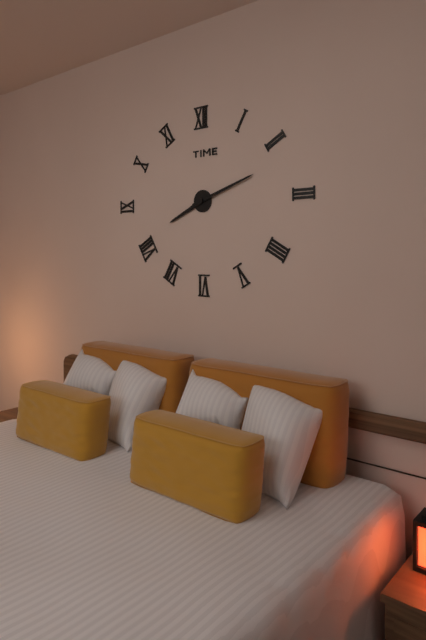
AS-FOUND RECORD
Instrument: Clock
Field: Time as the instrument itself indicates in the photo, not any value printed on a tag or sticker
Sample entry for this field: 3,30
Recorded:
8,12
